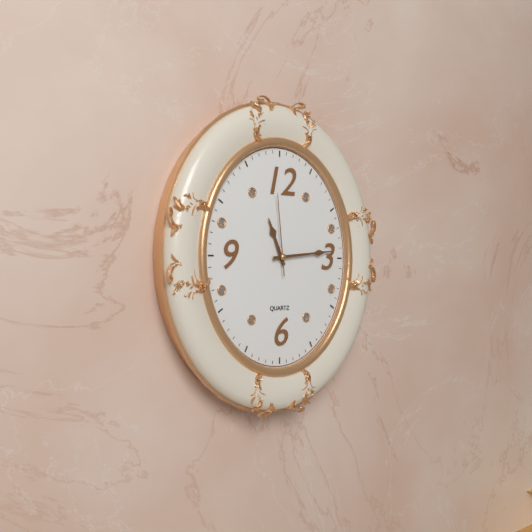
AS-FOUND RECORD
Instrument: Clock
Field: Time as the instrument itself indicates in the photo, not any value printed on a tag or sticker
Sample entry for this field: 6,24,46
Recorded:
11,14,59
